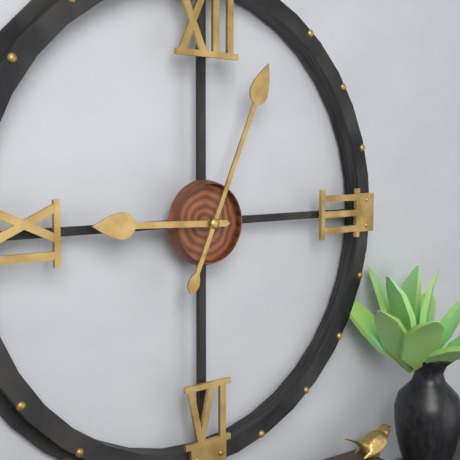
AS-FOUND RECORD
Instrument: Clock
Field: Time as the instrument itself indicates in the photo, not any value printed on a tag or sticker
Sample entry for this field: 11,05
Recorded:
9,04
